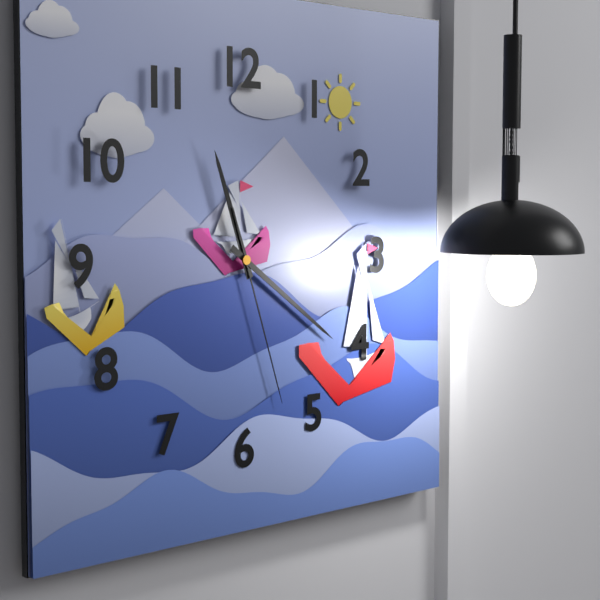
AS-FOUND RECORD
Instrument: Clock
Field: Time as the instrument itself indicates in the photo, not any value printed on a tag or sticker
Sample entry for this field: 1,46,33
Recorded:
11,21,27
